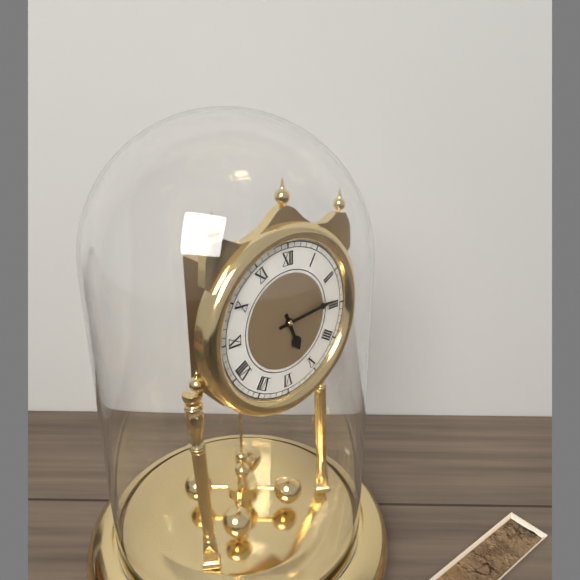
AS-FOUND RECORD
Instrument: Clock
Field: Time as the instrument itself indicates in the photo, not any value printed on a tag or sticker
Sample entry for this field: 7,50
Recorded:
5,14
